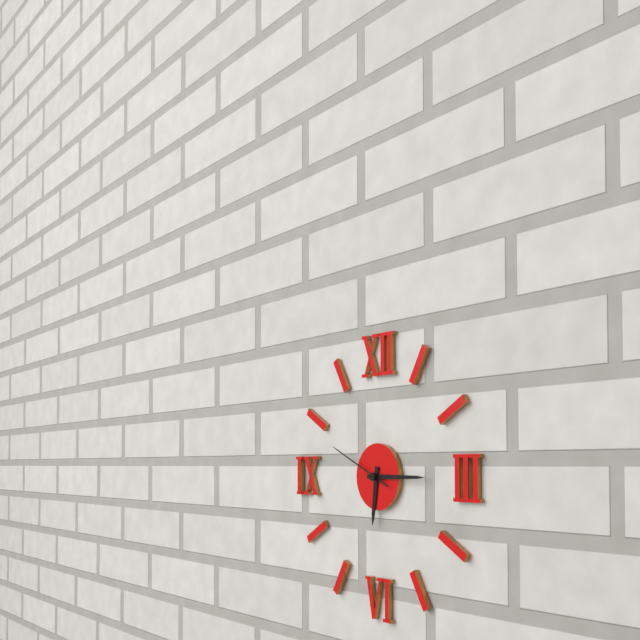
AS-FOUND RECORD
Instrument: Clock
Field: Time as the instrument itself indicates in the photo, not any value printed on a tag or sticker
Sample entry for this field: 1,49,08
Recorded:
6,15,49
